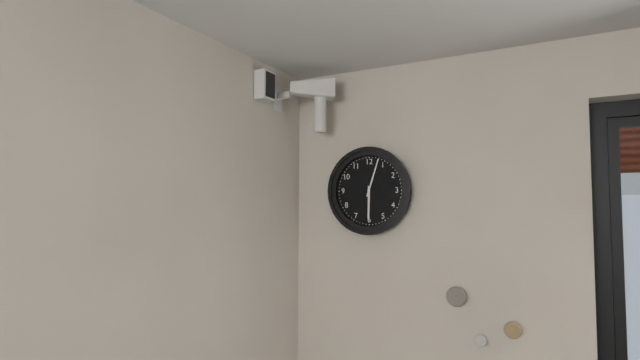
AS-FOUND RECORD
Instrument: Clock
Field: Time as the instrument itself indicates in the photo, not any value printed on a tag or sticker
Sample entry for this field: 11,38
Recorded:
6,03
